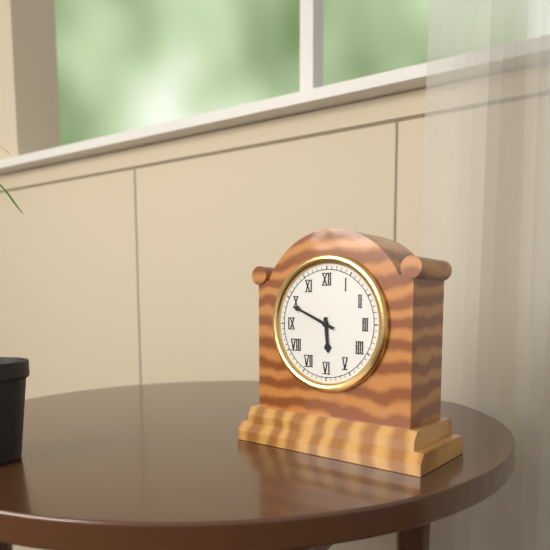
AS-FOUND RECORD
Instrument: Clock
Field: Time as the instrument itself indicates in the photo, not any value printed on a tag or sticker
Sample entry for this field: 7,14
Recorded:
5,49
